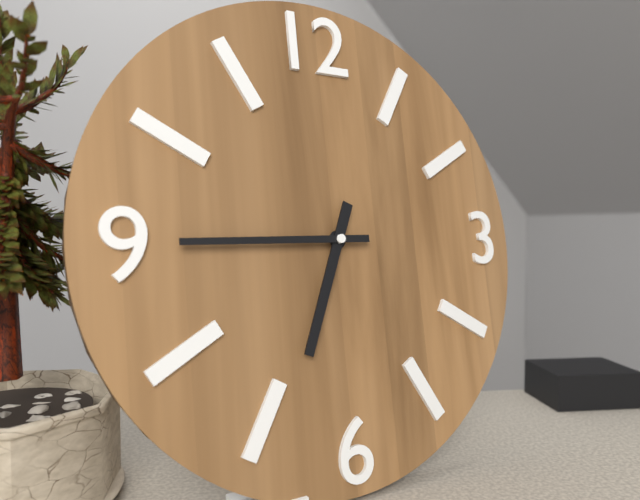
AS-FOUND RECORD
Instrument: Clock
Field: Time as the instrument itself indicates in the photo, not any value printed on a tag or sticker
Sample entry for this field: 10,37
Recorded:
6,45
